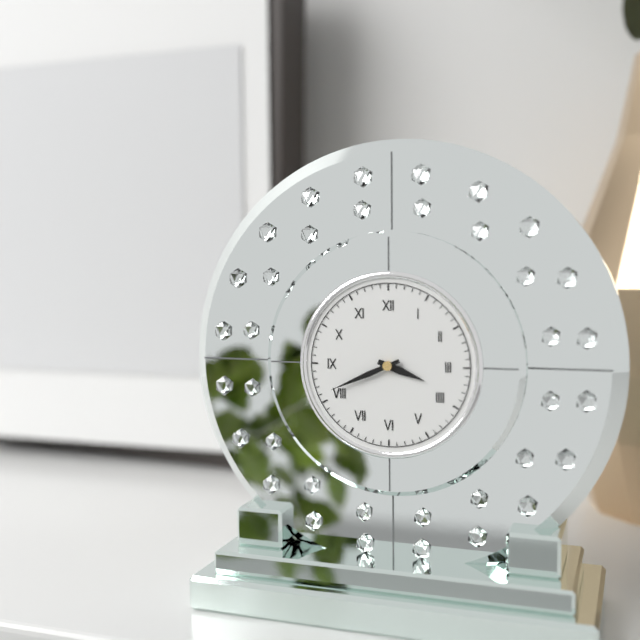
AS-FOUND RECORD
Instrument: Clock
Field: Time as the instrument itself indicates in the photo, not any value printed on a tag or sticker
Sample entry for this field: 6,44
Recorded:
3,41
